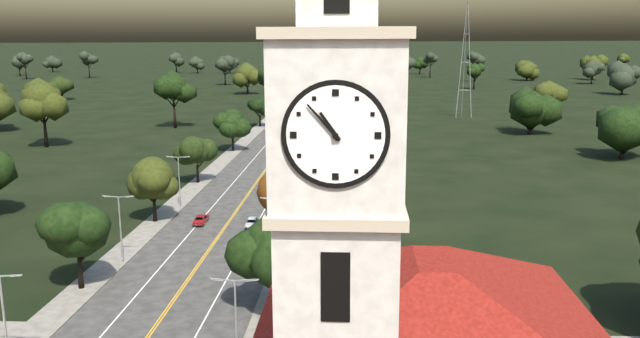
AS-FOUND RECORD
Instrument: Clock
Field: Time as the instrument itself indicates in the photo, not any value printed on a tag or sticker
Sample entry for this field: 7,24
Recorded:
10,53
